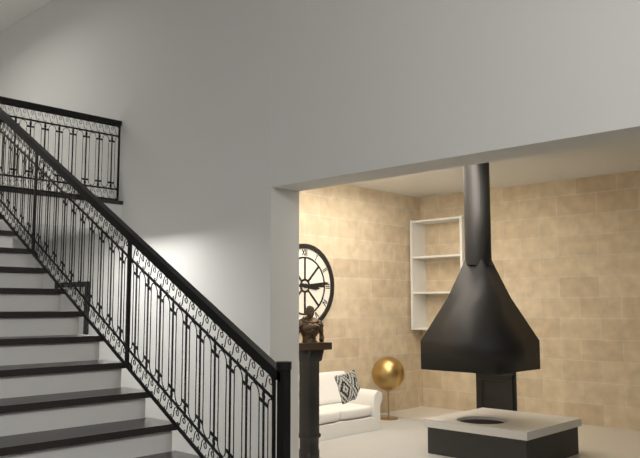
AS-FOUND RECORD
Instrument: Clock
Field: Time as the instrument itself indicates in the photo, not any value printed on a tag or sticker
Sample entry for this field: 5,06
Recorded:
3,14
